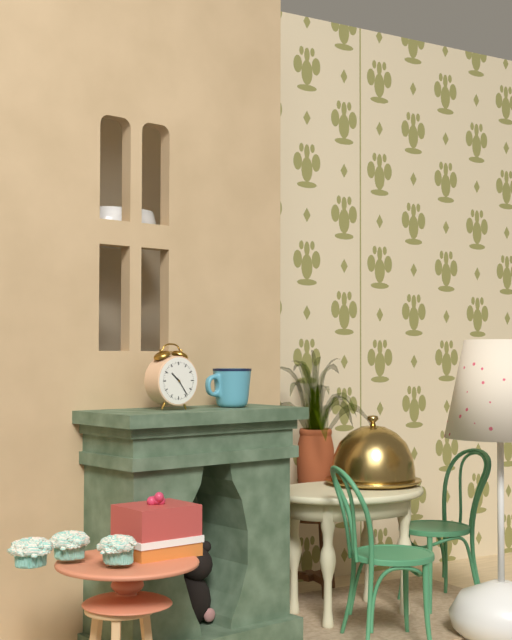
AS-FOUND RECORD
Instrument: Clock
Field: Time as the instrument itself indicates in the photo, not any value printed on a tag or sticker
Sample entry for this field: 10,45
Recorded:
10,24
